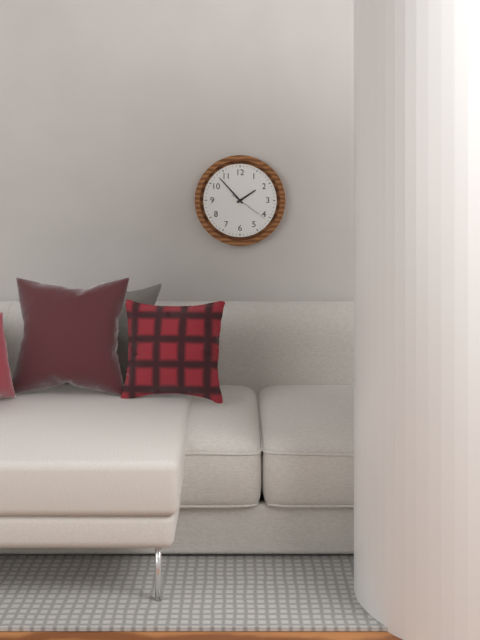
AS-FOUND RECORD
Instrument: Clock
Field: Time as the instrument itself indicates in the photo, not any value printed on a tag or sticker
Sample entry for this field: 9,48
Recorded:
1,53
